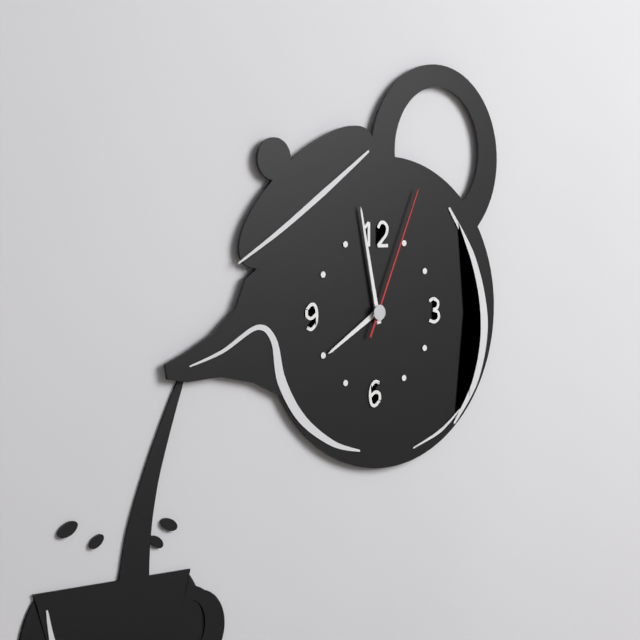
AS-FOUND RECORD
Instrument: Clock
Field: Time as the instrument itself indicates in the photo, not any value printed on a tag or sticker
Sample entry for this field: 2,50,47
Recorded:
7,58,04
